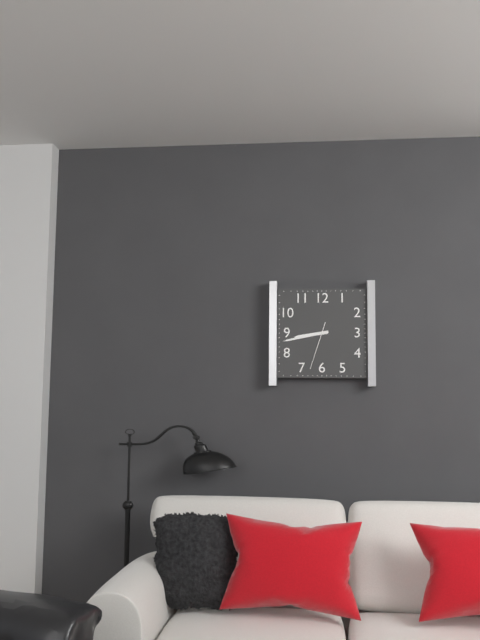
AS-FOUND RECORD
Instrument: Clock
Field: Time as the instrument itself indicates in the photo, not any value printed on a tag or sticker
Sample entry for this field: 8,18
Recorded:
8,43
